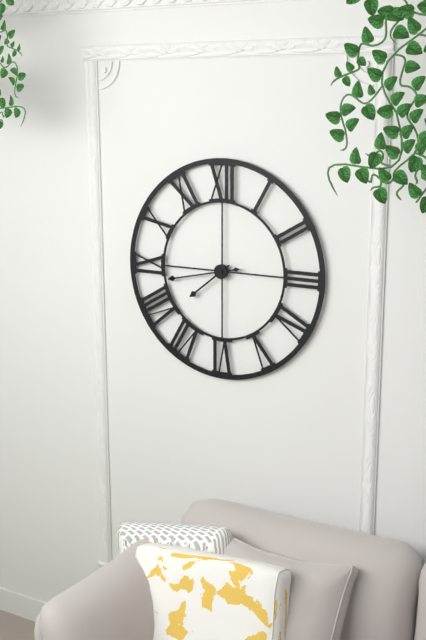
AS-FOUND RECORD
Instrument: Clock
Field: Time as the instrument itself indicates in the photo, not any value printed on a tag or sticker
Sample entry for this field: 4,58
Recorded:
7,43
